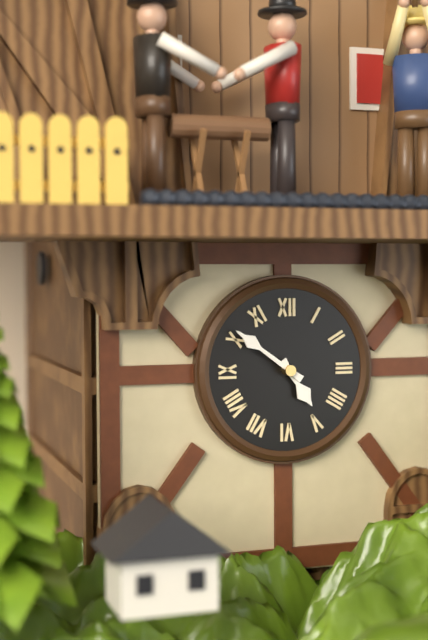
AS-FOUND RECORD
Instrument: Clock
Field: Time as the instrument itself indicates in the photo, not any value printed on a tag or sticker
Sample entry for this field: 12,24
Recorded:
4,51
